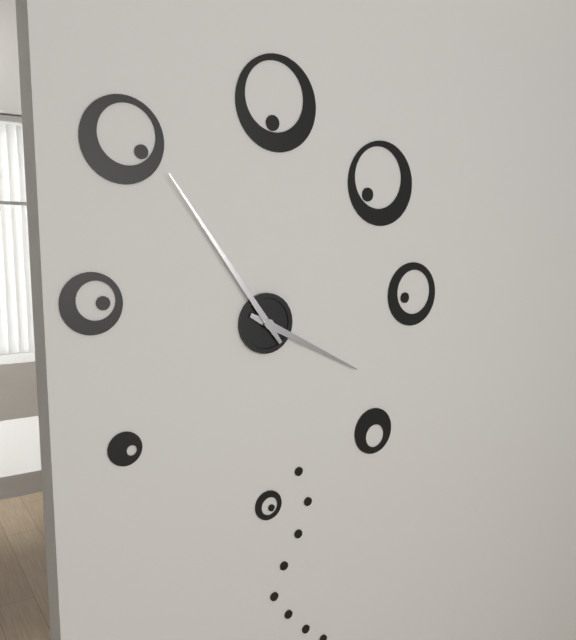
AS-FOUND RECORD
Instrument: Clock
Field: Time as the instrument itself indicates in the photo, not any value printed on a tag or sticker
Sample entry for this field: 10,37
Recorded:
3,54
